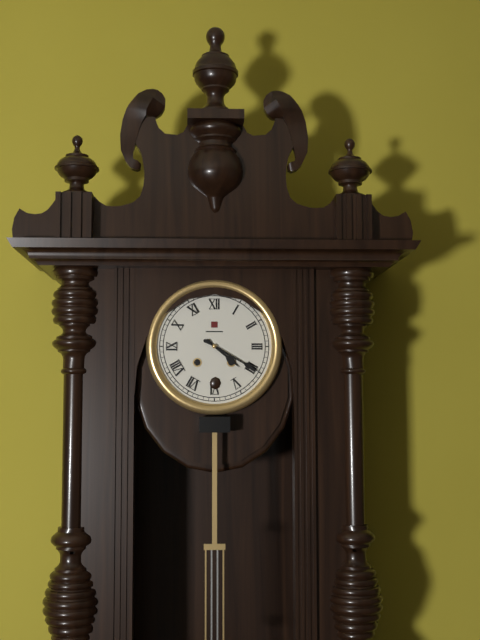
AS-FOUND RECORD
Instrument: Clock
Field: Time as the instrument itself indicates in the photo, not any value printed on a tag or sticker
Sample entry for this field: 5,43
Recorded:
4,20
